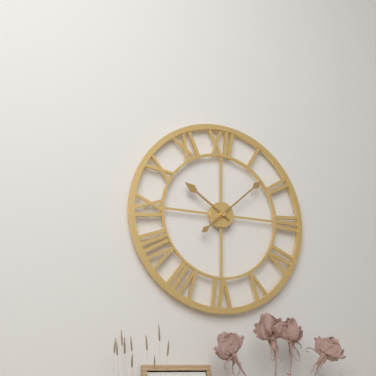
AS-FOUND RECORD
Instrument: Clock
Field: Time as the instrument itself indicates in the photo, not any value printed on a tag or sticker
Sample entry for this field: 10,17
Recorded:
10,08
